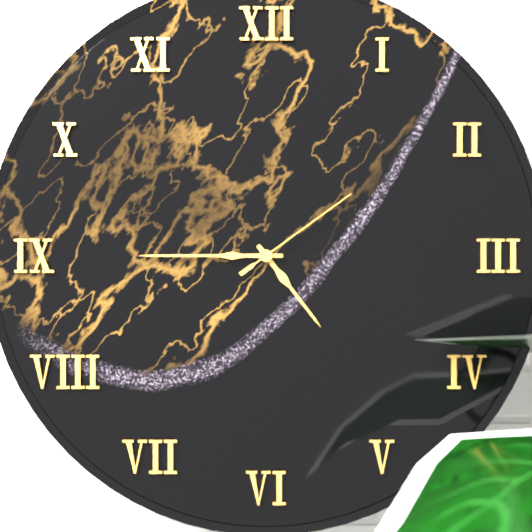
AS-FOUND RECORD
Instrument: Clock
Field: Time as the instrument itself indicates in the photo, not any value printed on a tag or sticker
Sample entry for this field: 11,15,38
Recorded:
4,45,09
